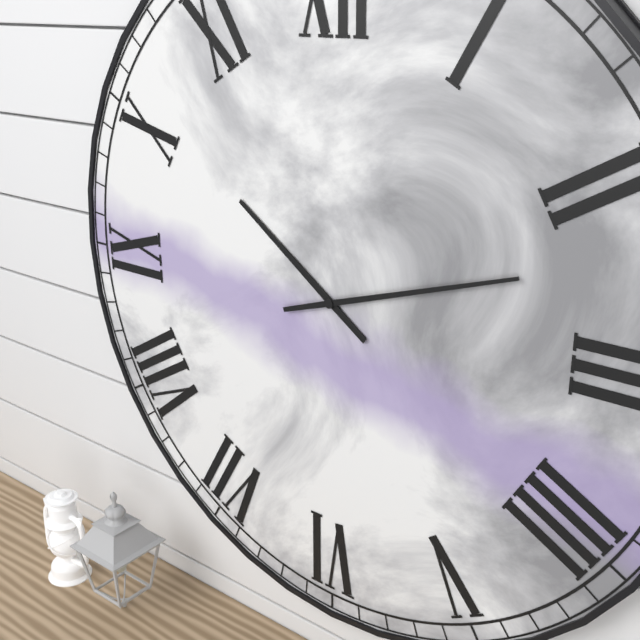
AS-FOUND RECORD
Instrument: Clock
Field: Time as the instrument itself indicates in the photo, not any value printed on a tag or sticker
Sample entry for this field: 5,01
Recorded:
10,12
